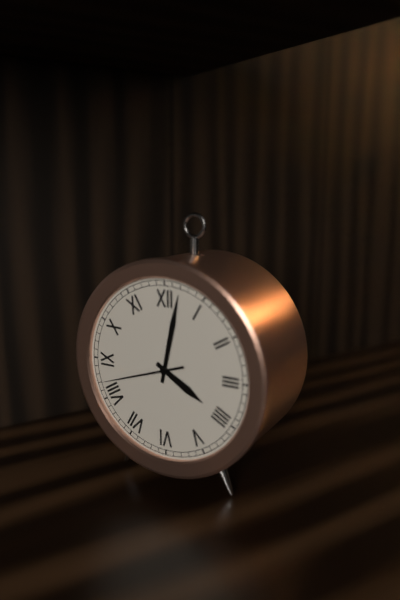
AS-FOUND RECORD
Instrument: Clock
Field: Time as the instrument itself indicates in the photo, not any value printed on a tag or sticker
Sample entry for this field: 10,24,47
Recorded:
4,02,42
